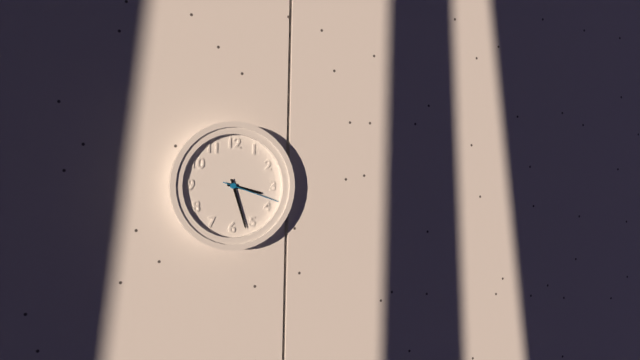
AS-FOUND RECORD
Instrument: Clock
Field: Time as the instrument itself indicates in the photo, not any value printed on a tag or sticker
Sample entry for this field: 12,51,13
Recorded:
3,27,18
